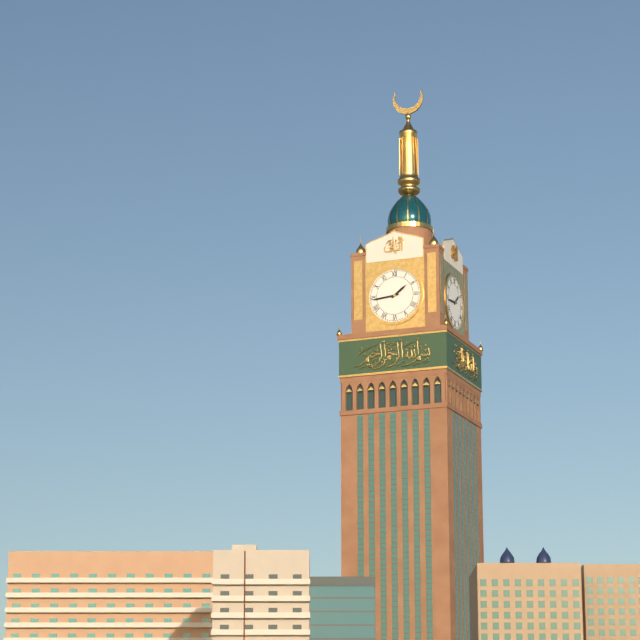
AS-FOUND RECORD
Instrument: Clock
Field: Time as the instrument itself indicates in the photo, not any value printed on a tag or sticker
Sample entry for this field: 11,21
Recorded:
1,44
